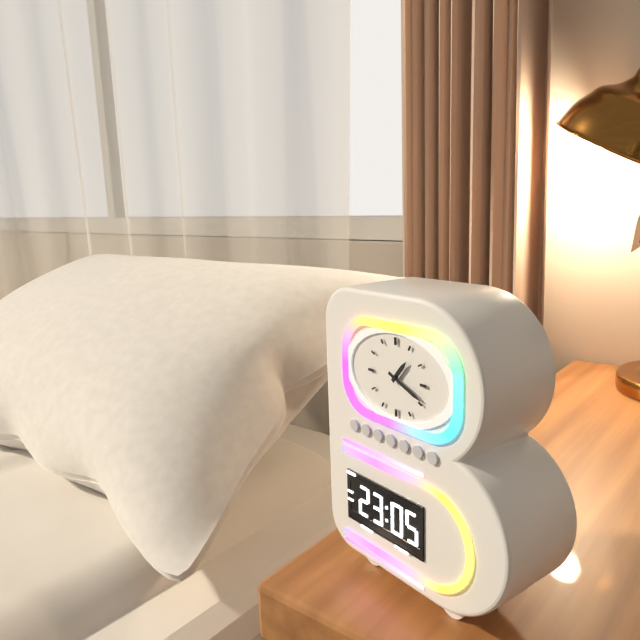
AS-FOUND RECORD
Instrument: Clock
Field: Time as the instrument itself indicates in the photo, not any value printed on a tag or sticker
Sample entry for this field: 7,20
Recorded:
1,19
